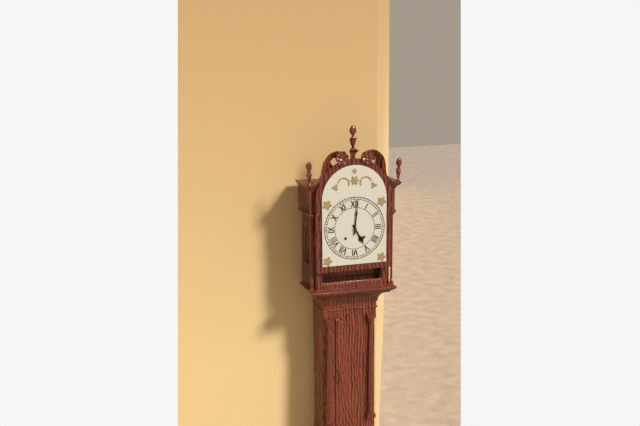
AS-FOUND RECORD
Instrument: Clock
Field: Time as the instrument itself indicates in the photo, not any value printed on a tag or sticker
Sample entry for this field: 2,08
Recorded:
5,01
